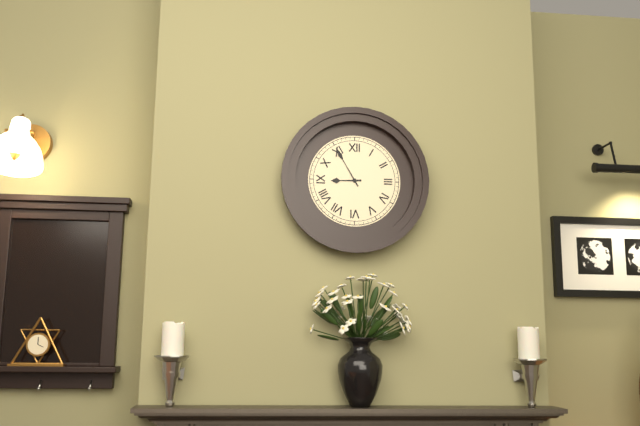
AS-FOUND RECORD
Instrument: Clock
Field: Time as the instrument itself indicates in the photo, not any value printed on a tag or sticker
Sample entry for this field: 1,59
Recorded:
8,55
